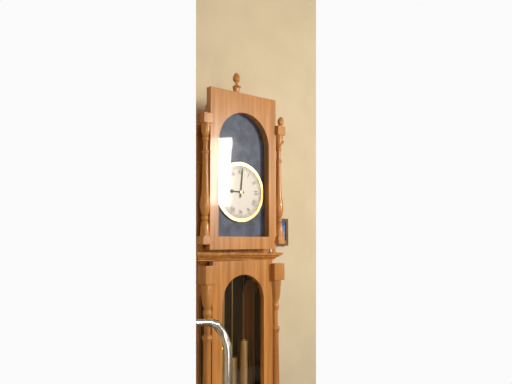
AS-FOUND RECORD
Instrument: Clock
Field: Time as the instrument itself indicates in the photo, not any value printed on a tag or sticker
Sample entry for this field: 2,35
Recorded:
9,01
